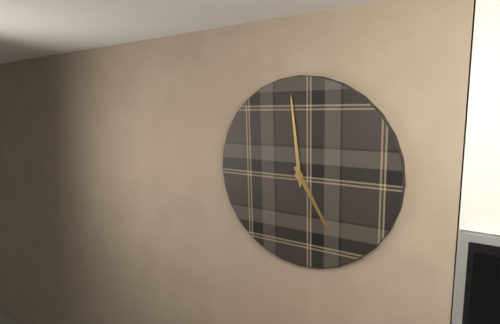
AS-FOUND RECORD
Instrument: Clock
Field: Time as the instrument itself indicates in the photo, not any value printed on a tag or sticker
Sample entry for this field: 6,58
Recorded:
4,59
